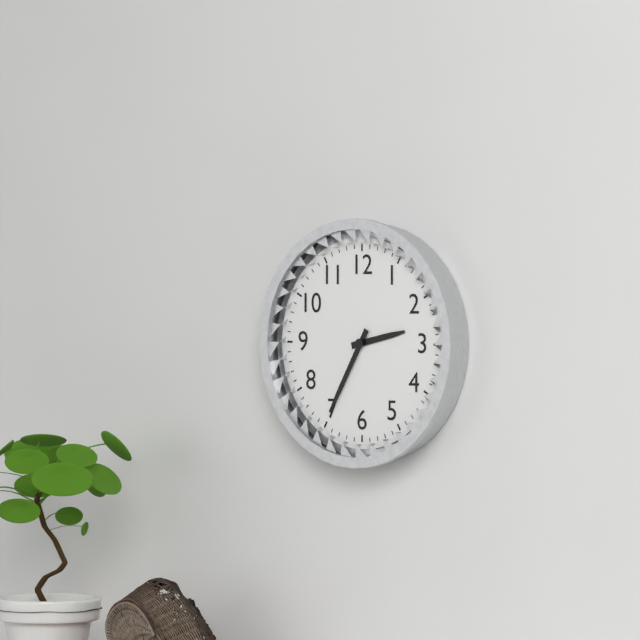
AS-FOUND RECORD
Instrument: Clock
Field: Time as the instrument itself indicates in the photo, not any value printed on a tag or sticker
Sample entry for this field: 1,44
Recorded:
2,35
